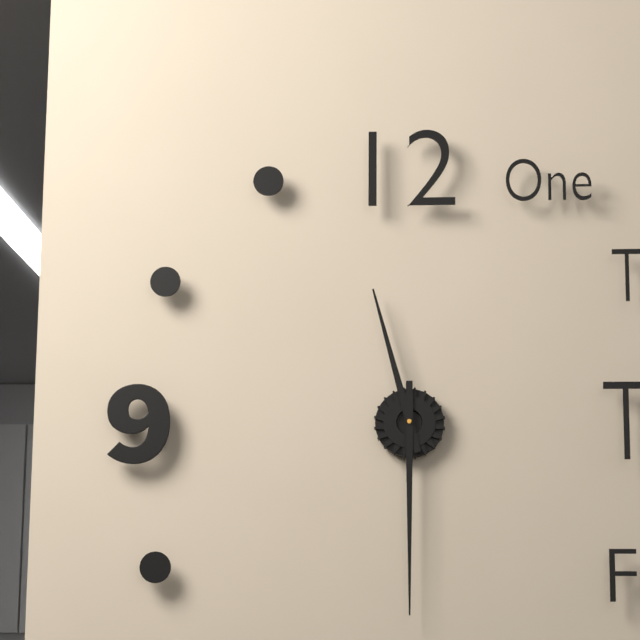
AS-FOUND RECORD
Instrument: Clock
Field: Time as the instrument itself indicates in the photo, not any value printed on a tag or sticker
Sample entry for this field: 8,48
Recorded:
11,30
